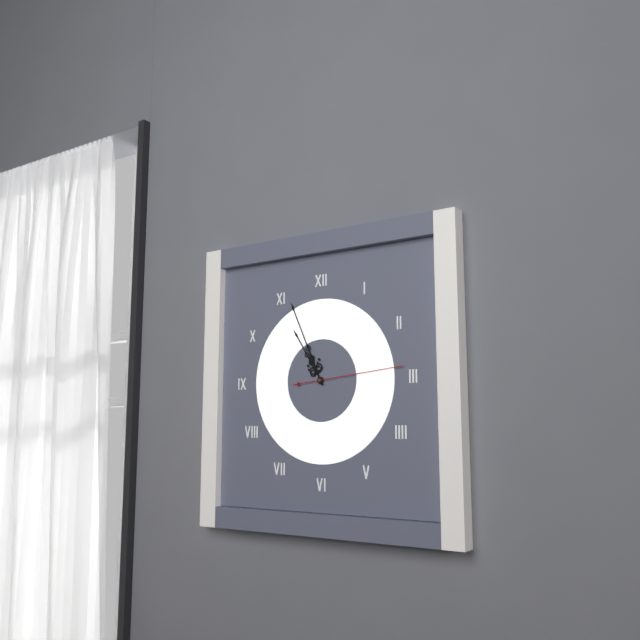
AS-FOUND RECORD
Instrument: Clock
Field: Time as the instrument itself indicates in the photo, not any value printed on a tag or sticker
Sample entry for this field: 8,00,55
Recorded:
10,56,14
